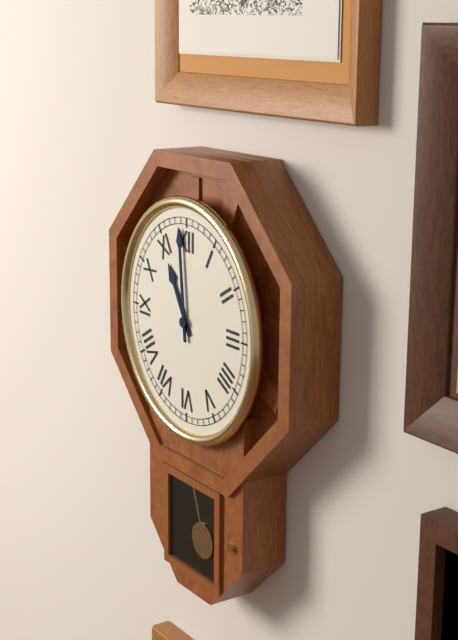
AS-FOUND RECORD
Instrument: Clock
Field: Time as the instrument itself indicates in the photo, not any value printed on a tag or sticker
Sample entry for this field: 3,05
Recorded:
10,59
